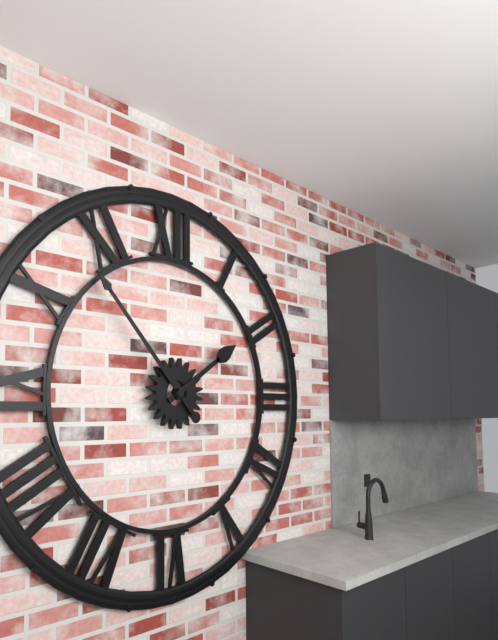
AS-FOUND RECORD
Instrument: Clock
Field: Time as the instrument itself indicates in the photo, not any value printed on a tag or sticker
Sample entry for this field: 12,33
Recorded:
1,53
